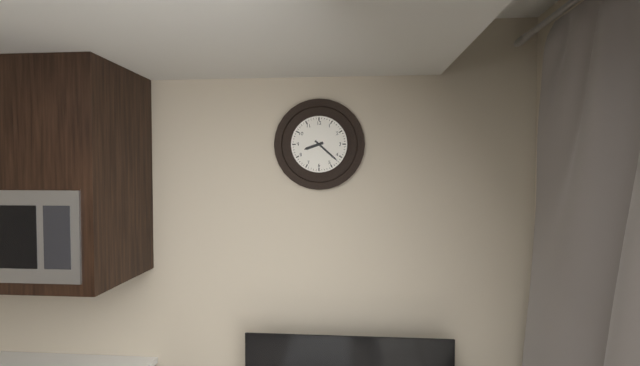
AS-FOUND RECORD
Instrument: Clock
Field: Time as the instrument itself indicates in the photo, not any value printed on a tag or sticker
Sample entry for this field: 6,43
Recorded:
8,22
